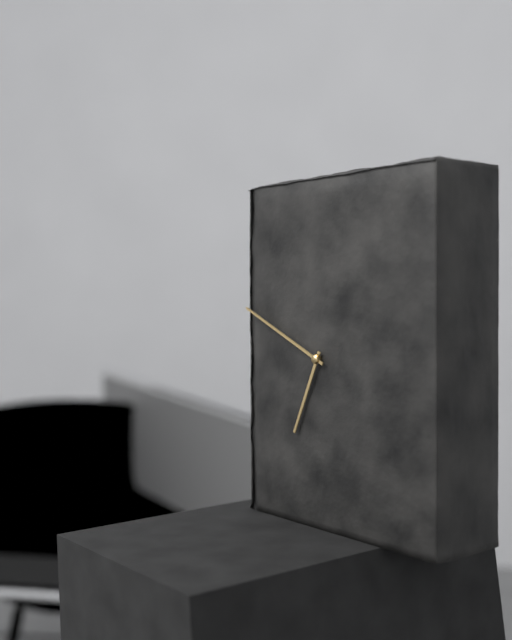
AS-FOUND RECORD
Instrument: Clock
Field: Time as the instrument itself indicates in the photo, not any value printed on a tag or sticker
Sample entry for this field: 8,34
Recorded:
6,49
